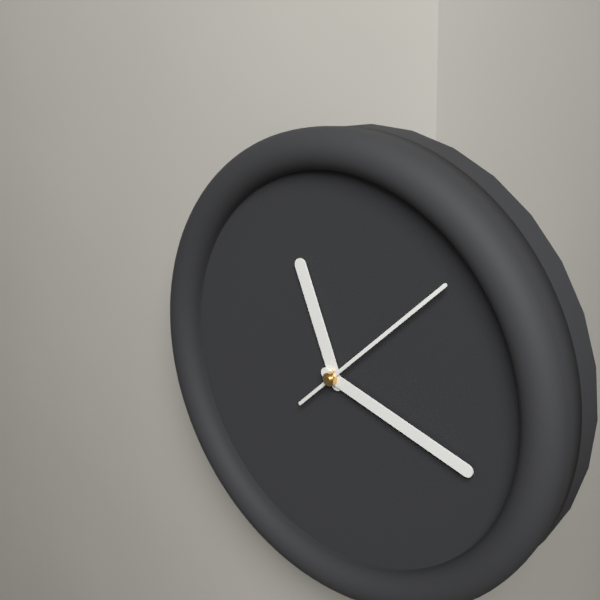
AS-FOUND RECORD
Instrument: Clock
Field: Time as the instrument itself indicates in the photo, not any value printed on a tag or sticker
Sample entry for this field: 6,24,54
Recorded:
11,18,08
